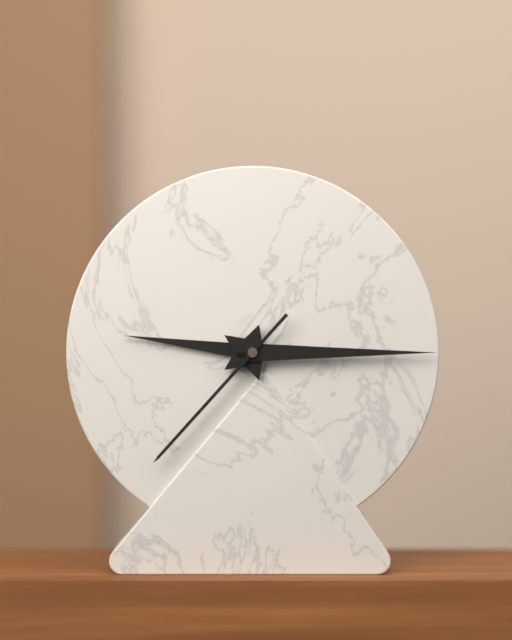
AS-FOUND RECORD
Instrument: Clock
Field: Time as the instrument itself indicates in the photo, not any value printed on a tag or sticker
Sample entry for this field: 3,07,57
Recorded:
9,15,37
